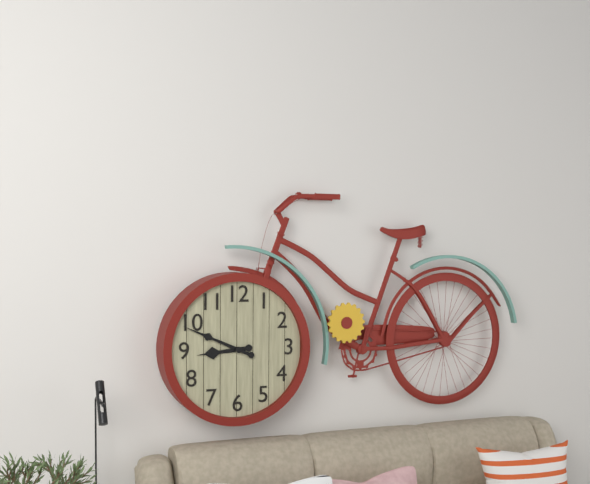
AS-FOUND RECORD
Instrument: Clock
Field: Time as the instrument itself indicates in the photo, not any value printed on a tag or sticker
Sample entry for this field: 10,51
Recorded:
8,49
